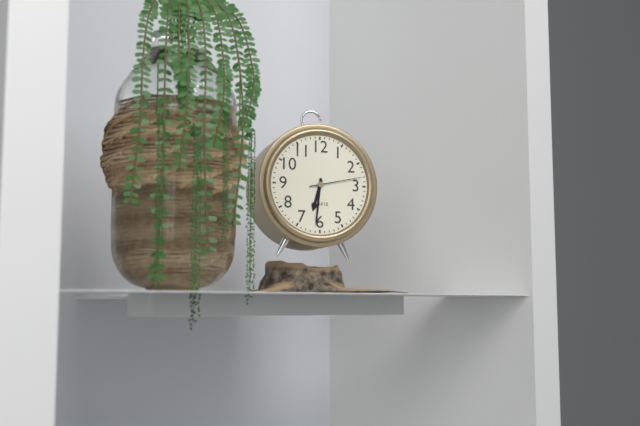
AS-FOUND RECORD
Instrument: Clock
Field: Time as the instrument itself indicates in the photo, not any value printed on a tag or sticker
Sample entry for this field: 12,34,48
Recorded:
6,31,13
